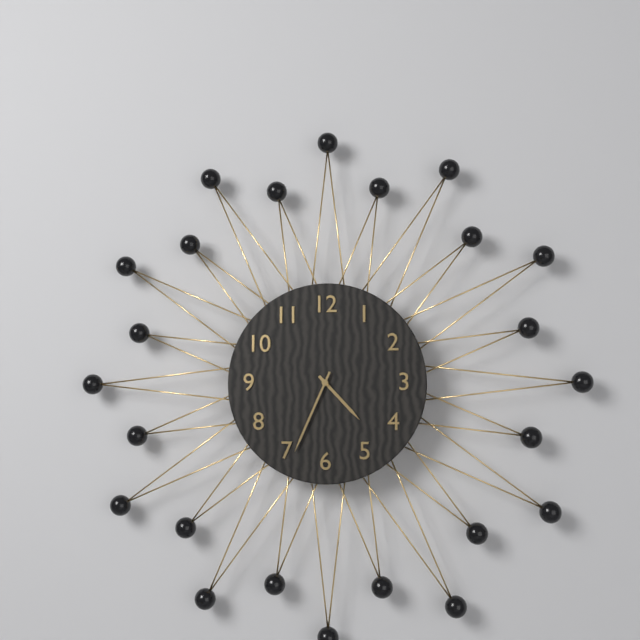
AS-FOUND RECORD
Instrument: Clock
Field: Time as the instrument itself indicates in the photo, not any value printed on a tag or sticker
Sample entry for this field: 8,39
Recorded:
4,34
